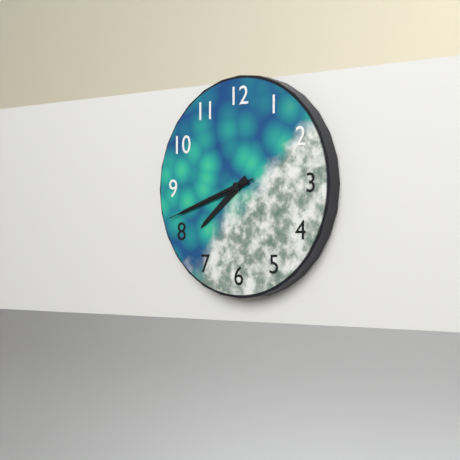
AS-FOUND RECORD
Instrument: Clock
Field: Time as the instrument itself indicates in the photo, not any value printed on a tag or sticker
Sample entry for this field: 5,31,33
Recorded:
7,42,42
